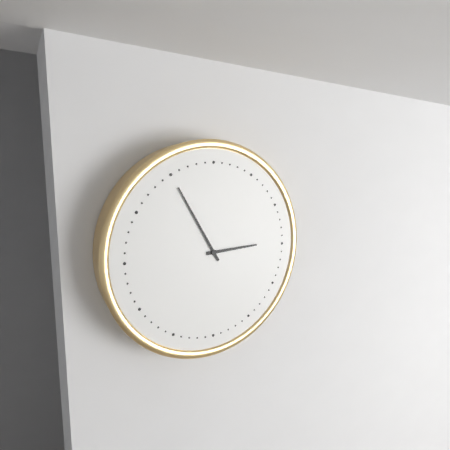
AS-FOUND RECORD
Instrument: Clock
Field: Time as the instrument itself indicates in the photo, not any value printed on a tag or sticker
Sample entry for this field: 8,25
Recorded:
2,55
